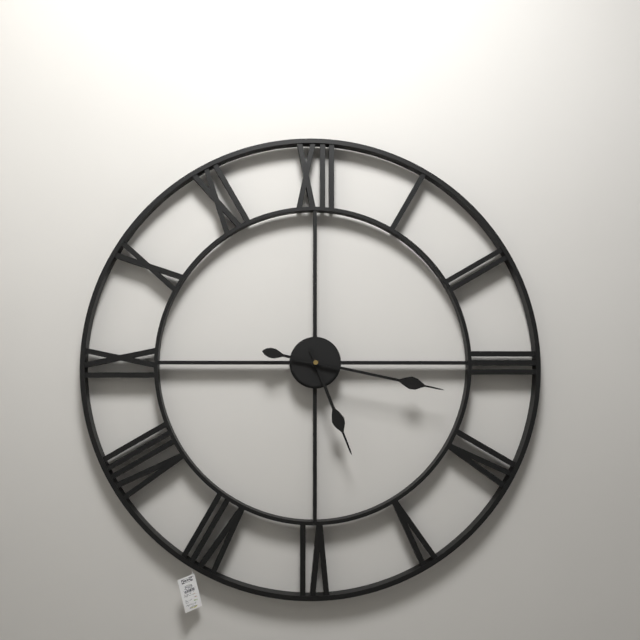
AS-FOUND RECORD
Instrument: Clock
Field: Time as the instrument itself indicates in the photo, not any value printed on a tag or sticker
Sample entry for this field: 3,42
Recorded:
5,17
